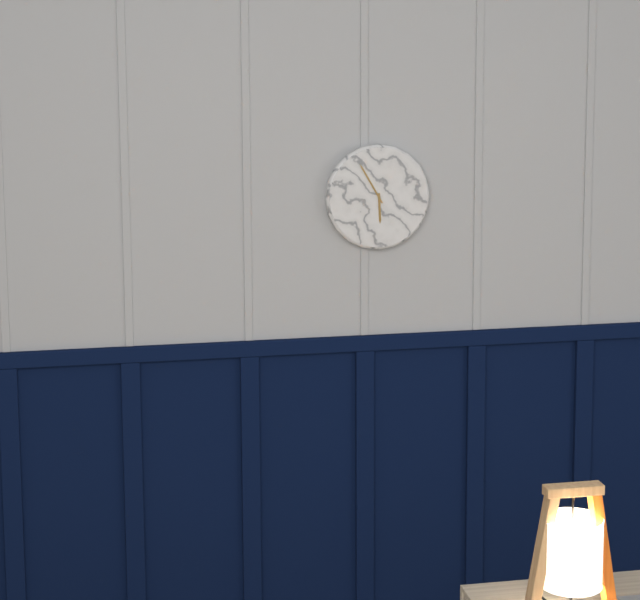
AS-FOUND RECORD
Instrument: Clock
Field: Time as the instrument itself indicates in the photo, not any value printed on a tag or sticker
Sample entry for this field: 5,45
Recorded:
5,55
